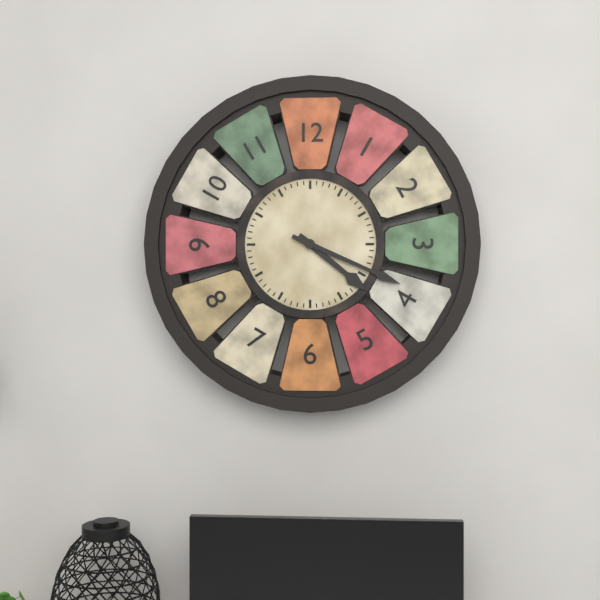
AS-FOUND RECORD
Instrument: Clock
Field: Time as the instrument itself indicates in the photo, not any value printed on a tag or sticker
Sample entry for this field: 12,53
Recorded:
4,19
